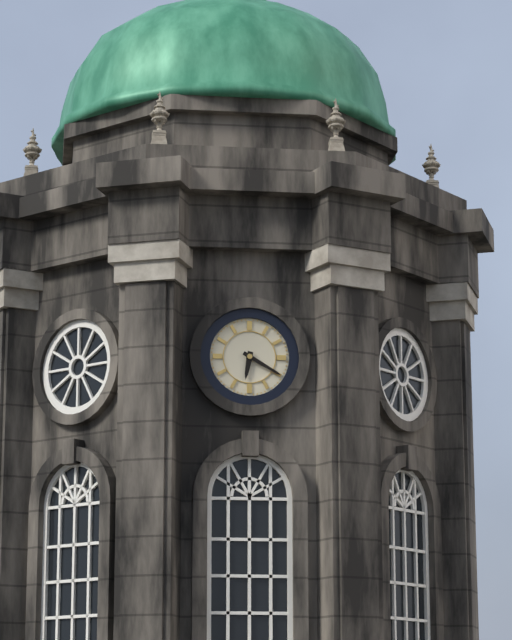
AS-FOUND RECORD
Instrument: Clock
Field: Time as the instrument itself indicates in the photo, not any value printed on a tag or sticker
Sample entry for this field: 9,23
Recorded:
6,20
